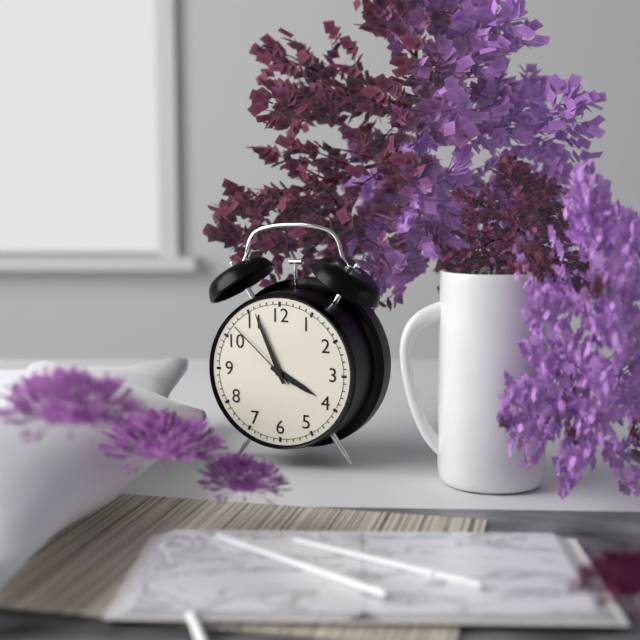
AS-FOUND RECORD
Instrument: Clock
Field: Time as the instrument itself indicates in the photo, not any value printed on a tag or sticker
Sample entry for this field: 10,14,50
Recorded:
3,56,52
